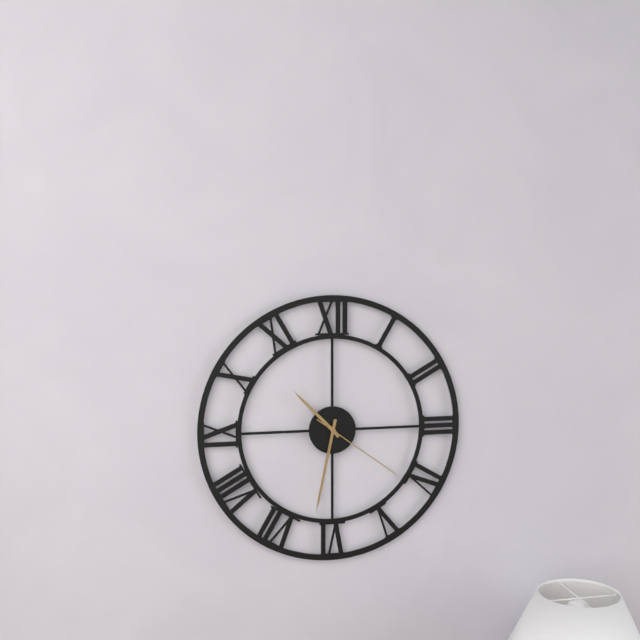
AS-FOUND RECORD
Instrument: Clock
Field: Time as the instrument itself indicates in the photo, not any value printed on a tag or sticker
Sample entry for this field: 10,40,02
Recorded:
10,32,21
